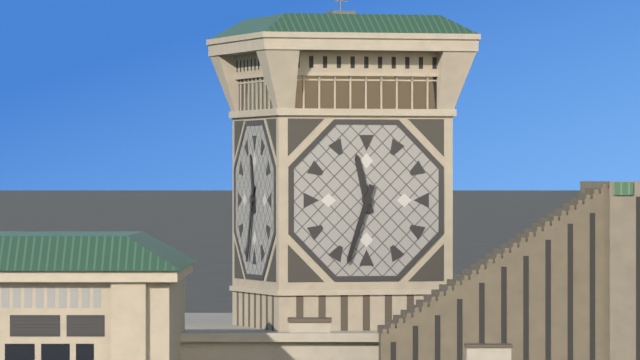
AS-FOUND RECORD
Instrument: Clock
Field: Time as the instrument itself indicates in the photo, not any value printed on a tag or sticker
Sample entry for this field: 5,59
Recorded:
11,33
